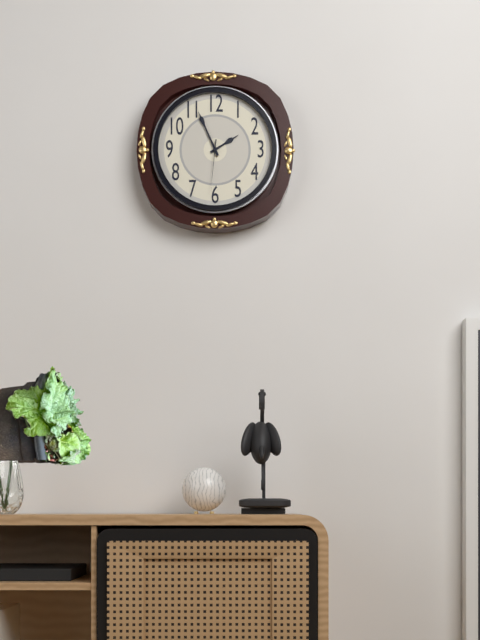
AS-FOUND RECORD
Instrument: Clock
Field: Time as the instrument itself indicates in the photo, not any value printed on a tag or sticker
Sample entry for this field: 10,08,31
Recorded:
1,56,31
